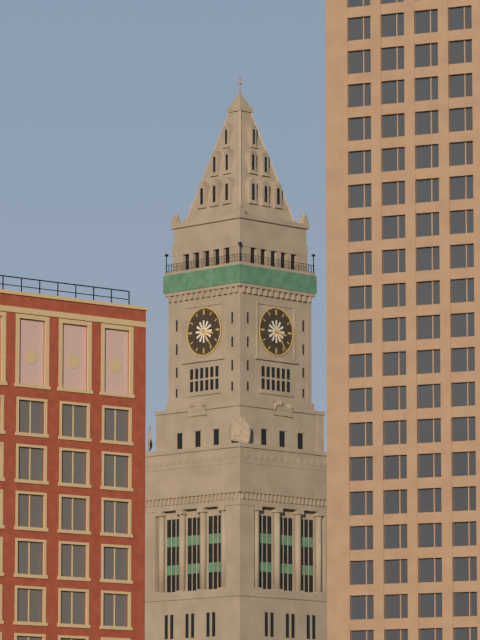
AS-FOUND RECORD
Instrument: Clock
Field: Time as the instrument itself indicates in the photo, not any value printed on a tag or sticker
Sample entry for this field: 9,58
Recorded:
3,24
